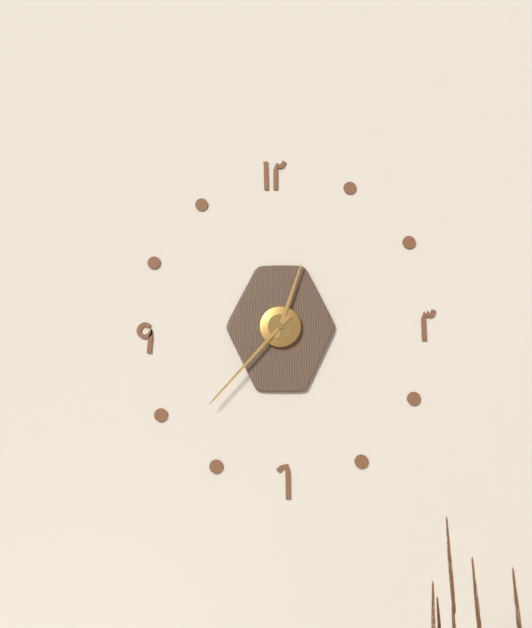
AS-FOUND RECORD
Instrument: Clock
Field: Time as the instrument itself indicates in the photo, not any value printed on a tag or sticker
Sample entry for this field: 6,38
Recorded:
12,37
